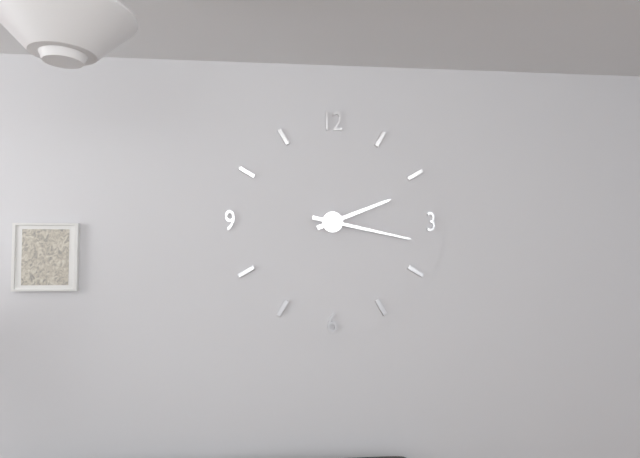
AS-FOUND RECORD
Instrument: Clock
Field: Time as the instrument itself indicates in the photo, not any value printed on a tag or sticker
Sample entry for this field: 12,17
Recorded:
2,17
